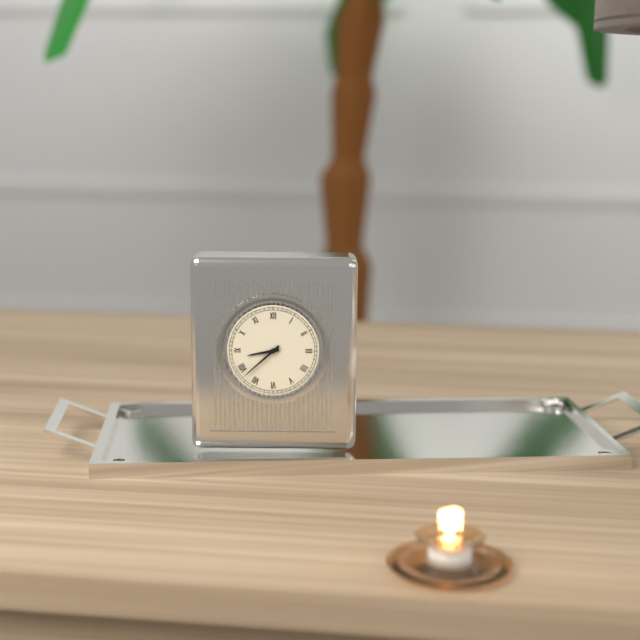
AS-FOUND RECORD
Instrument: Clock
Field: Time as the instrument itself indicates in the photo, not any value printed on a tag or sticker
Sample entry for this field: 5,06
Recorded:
8,38
